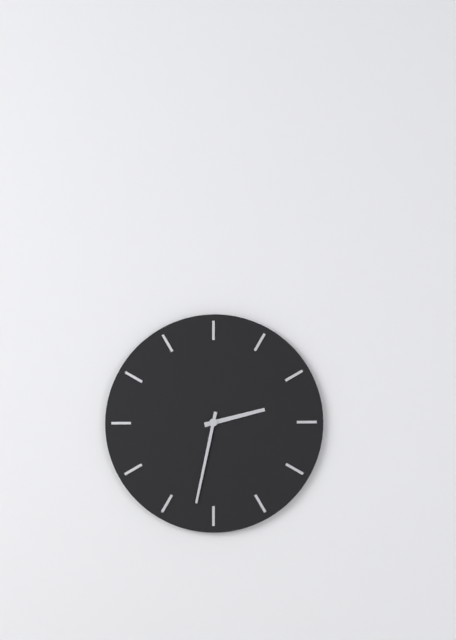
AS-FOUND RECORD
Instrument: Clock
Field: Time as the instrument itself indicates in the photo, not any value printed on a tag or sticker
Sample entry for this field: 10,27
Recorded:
2,32
